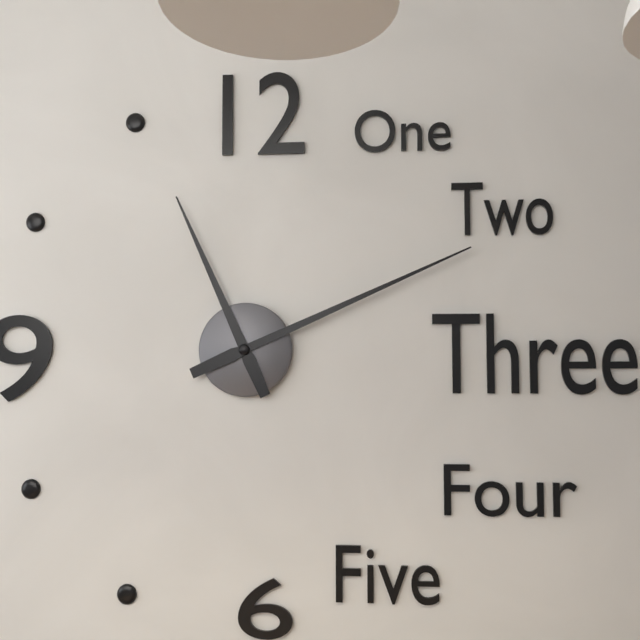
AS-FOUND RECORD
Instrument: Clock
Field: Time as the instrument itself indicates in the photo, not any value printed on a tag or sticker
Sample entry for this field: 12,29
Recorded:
11,11
